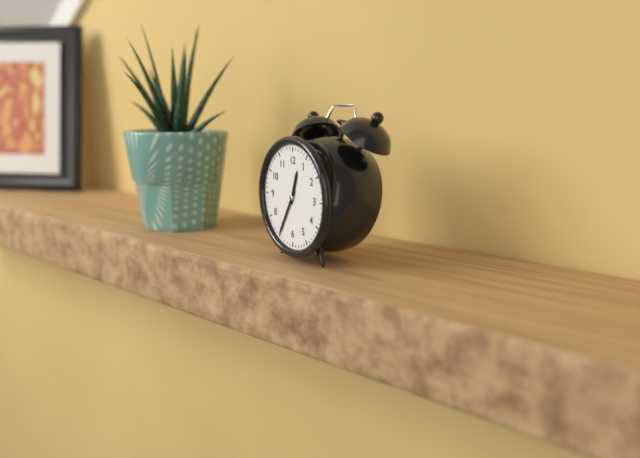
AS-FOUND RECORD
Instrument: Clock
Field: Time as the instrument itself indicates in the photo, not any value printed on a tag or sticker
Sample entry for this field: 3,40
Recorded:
12,35
